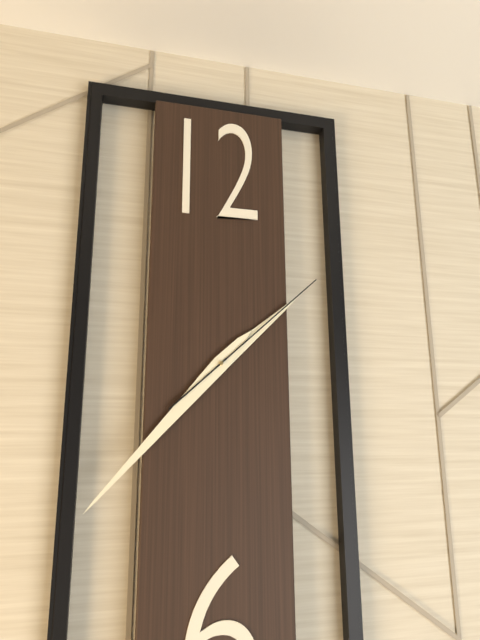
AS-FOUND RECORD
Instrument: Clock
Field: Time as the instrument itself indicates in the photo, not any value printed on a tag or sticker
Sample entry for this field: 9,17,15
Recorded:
1,37,08
